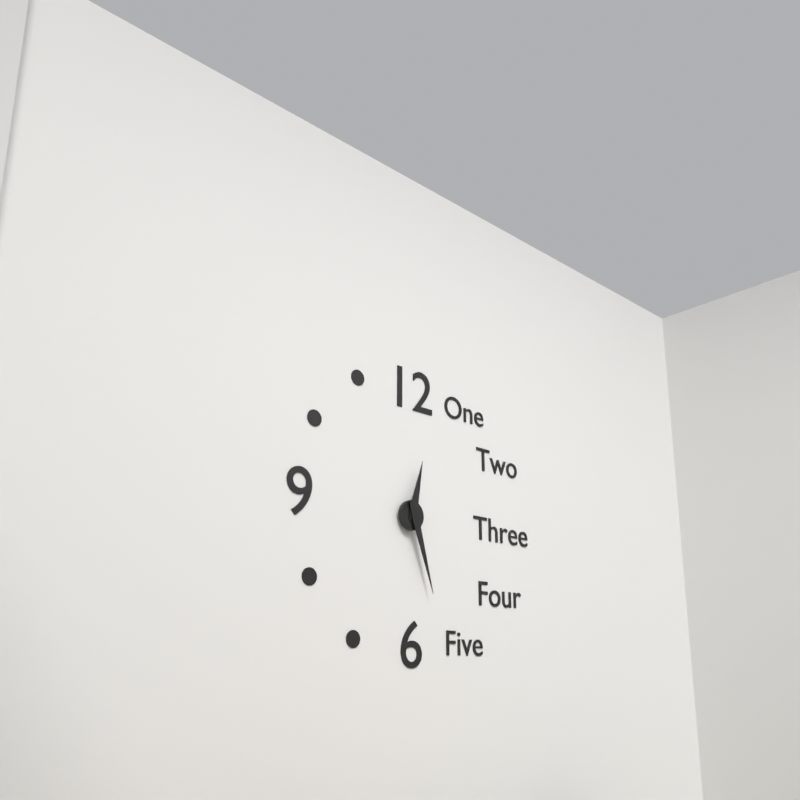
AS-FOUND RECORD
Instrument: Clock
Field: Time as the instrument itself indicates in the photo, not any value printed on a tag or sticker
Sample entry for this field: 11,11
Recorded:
12,27
